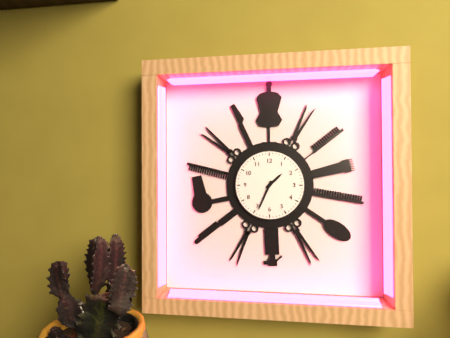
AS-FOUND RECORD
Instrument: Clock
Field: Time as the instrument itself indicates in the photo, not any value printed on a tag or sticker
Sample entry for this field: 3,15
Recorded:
1,34
